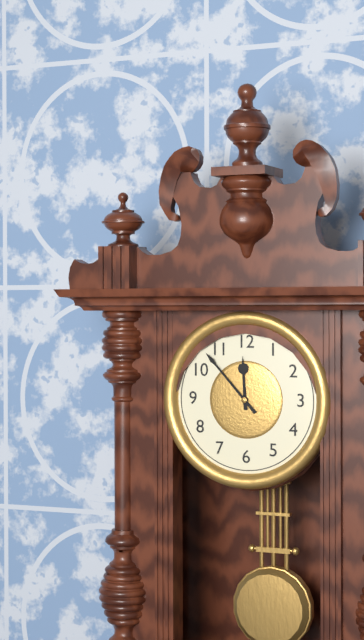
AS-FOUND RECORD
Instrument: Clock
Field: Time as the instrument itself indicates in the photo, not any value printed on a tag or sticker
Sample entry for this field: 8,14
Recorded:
11,53
